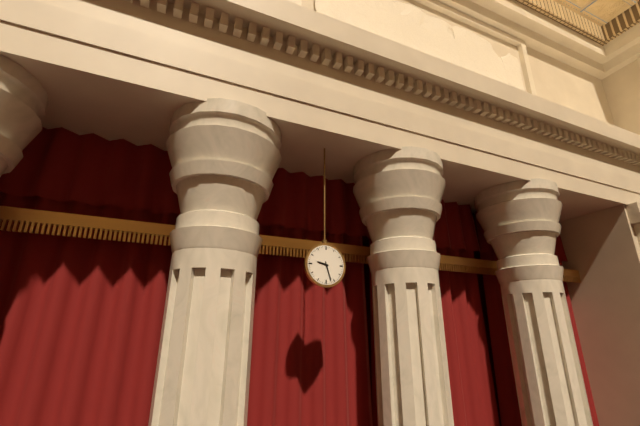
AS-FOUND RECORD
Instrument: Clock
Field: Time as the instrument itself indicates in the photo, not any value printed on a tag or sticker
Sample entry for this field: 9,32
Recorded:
9,27
